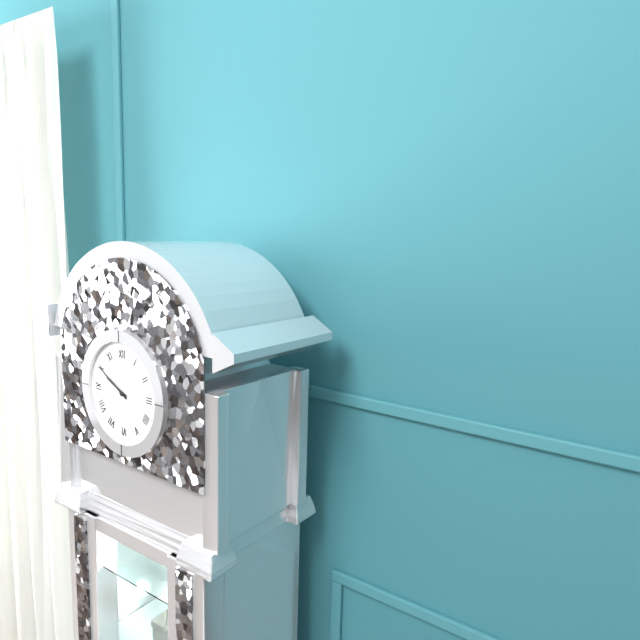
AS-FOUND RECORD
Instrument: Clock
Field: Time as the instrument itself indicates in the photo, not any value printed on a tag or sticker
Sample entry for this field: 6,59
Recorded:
9,50
